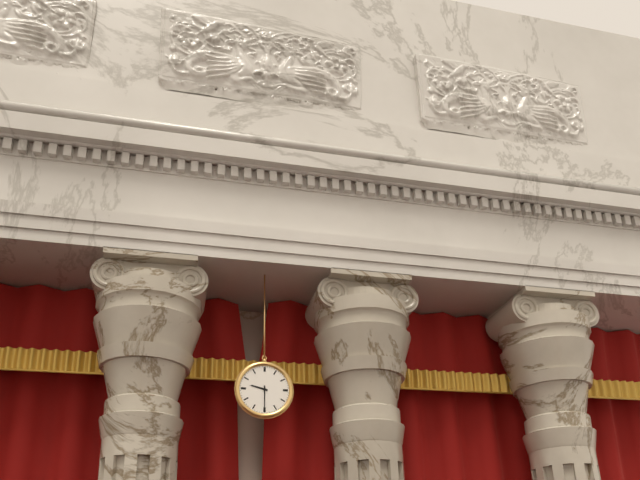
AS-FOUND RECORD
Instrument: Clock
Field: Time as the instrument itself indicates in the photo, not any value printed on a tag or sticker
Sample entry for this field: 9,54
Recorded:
9,30
